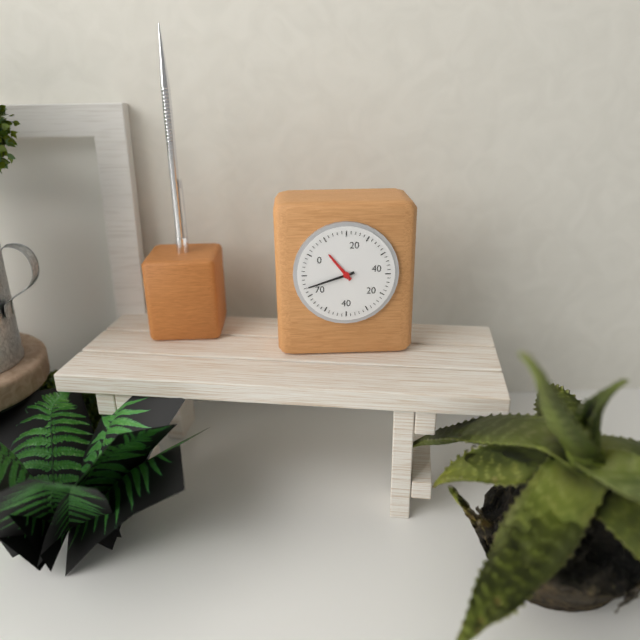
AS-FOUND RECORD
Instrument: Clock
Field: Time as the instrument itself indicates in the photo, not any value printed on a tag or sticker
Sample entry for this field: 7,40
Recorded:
10,42
